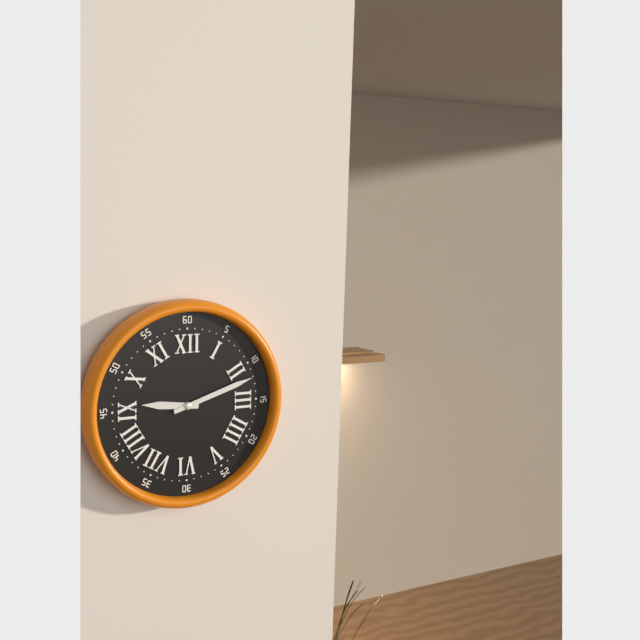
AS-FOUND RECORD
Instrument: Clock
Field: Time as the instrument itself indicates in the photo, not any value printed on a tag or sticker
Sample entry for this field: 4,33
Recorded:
9,12
